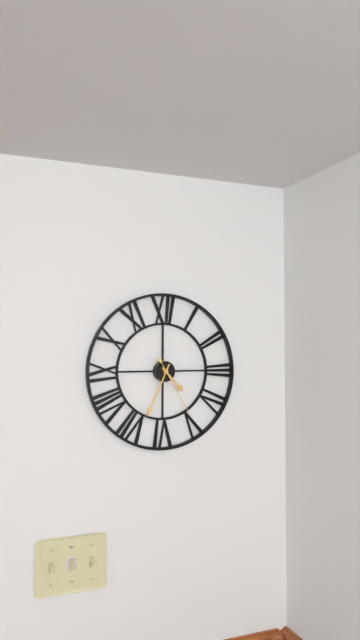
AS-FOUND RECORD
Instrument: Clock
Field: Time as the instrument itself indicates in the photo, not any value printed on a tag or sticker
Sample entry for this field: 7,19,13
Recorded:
4,34,25
